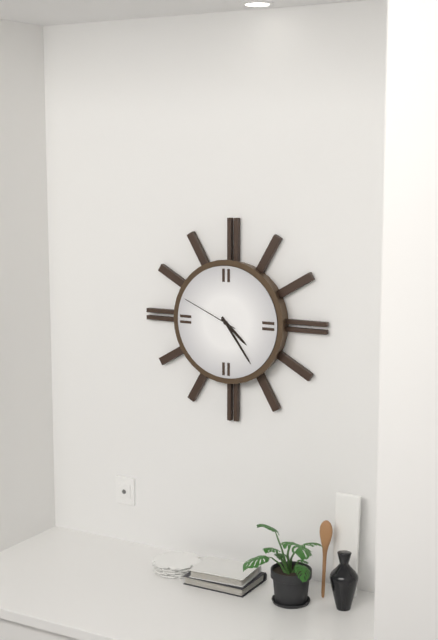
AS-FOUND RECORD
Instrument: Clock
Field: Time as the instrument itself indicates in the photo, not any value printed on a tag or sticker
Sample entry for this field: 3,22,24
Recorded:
4,24,49
